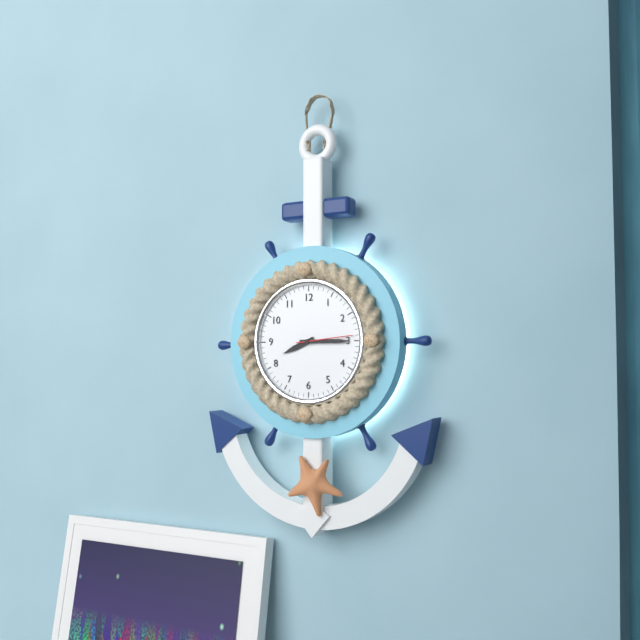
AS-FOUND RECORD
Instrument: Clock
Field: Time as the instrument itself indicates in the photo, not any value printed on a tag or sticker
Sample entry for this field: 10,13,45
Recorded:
8,15,14
